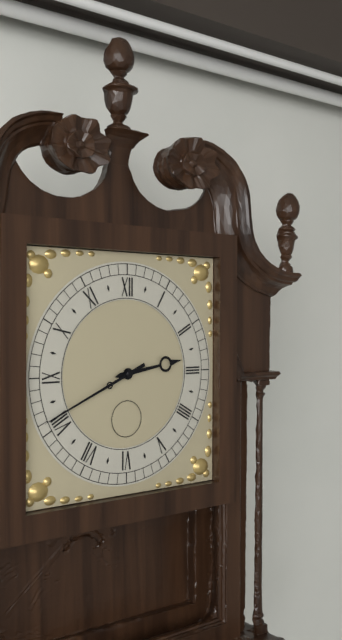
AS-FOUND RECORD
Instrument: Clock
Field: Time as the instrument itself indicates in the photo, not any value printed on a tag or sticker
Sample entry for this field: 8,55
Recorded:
2,41
